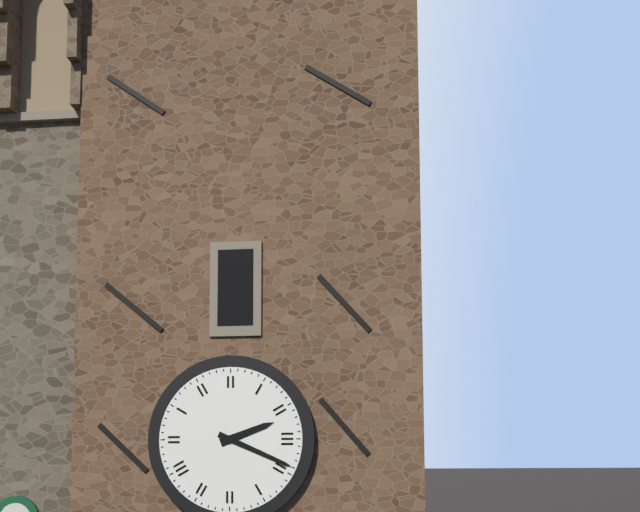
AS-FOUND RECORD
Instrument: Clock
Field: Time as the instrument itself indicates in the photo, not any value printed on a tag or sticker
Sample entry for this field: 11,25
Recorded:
2,19
